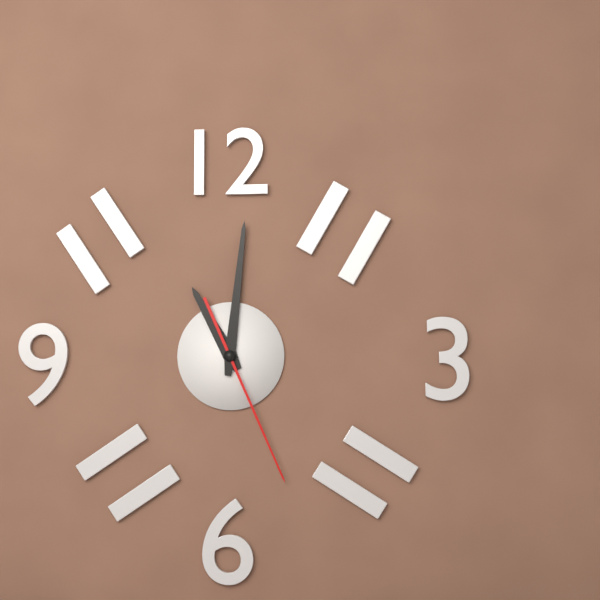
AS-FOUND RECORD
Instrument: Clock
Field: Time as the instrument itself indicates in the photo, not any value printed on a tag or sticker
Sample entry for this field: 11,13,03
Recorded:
11,01,26
